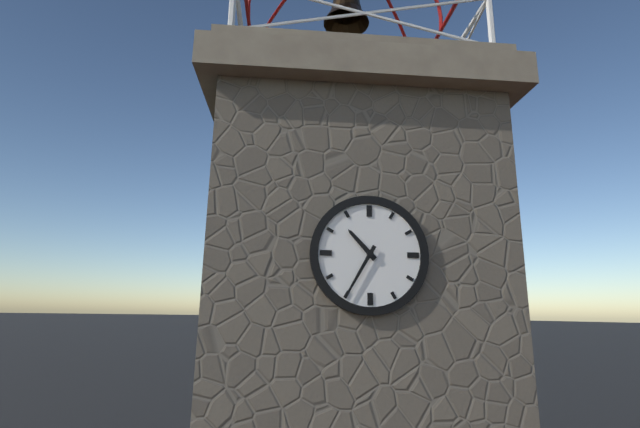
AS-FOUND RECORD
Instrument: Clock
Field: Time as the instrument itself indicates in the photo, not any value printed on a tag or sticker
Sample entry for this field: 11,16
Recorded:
10,35
